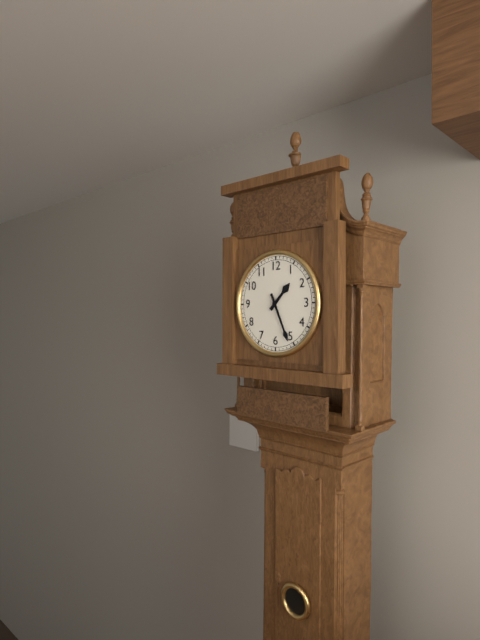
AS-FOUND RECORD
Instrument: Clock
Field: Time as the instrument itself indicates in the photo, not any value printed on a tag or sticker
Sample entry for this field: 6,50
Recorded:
1,26
